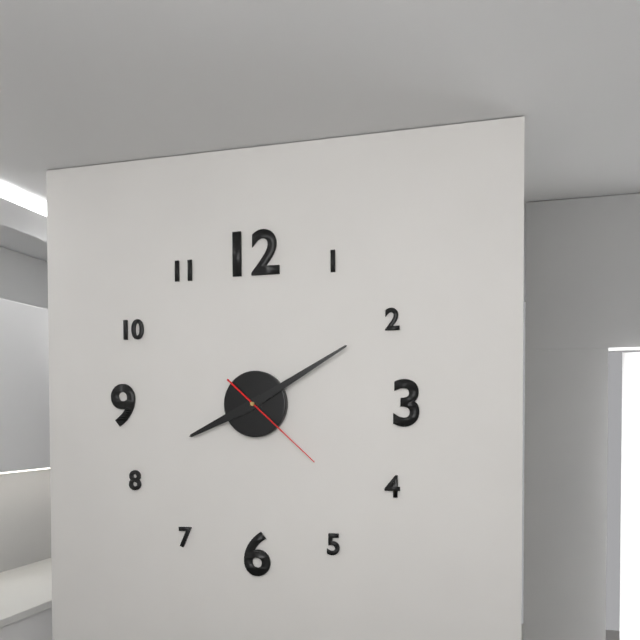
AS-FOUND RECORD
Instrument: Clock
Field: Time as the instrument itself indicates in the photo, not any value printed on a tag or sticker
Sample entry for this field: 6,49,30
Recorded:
8,10,22
